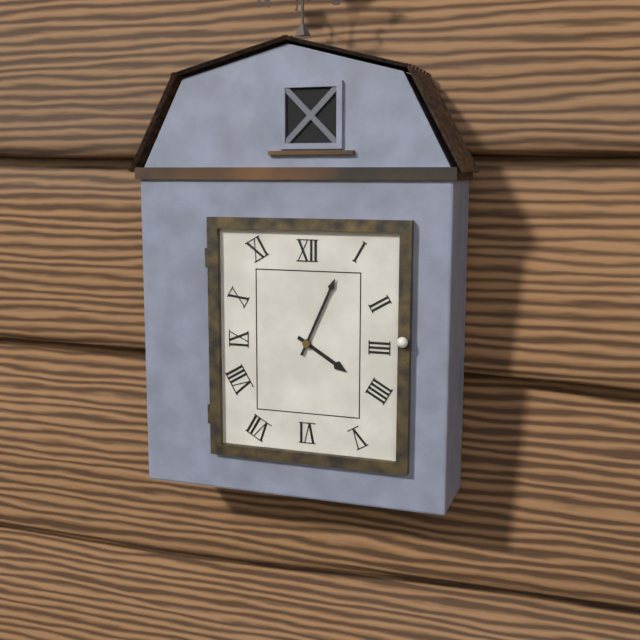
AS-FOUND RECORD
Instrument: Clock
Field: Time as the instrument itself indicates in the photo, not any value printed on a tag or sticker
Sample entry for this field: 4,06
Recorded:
4,04
